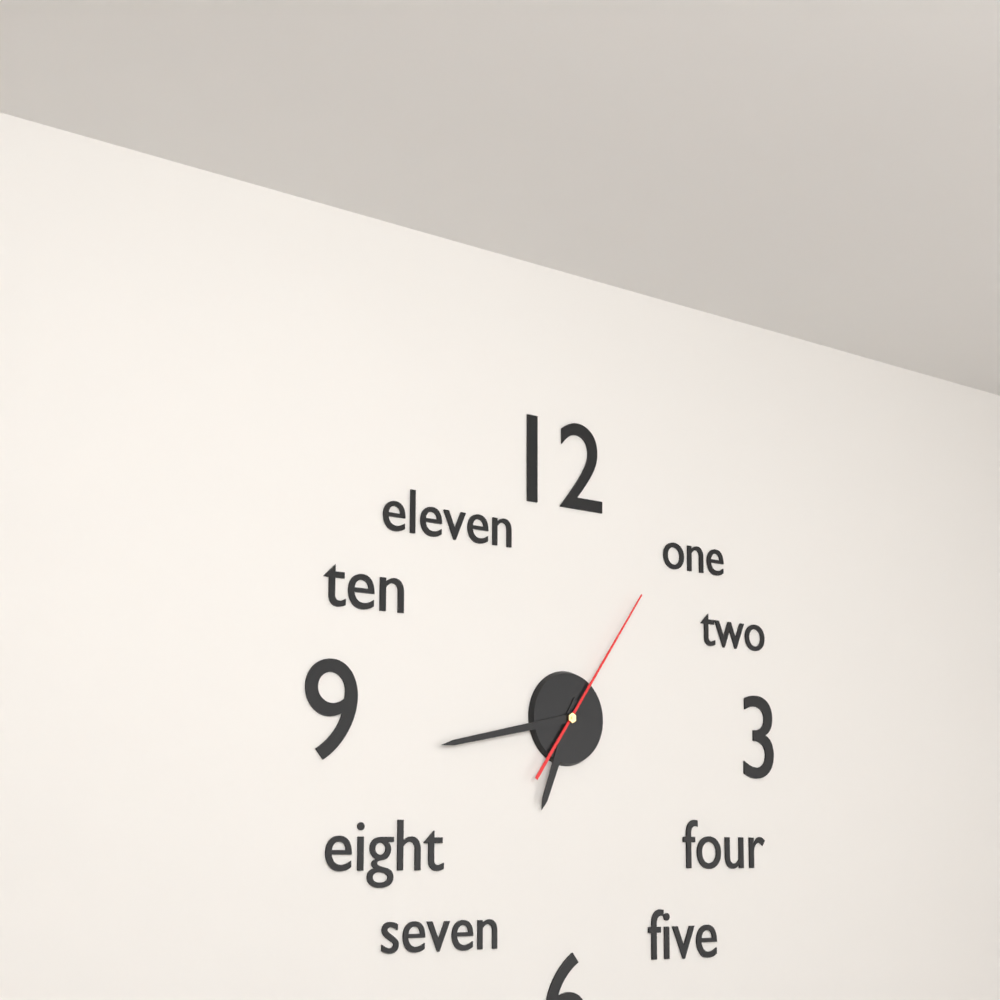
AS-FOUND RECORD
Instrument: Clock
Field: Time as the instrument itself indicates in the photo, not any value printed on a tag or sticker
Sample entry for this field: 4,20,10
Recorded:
6,43,06
